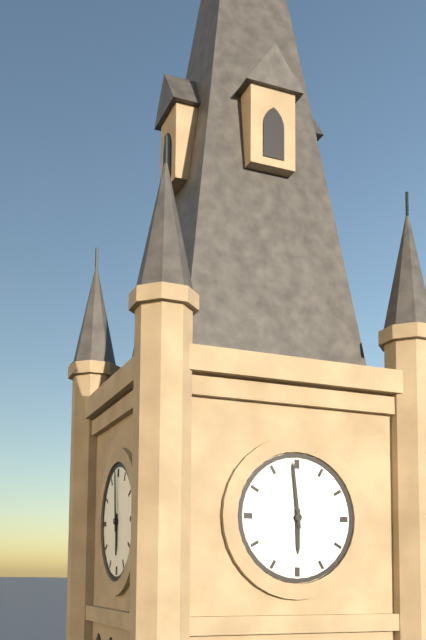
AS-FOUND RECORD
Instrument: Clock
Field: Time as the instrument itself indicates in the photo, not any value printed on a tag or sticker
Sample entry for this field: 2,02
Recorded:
5,59
